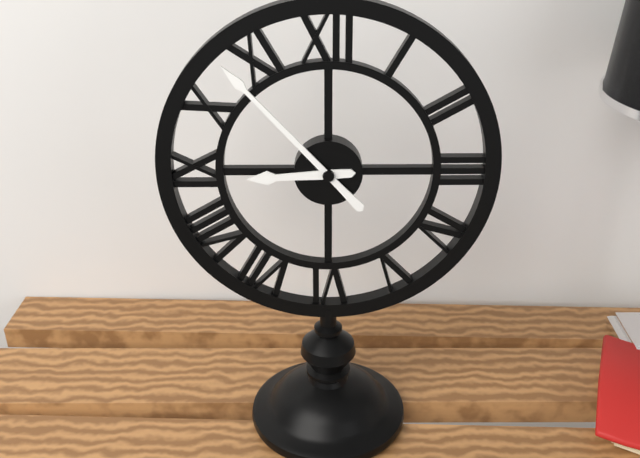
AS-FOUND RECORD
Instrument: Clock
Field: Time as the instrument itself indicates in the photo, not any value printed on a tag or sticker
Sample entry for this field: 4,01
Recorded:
8,53
